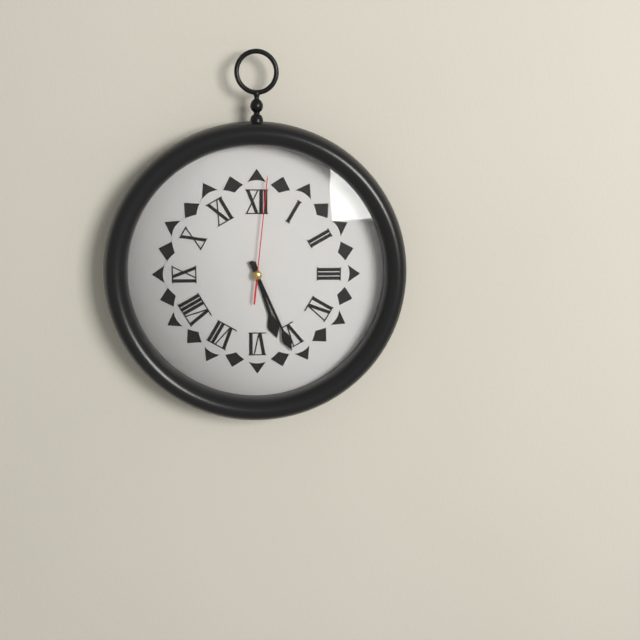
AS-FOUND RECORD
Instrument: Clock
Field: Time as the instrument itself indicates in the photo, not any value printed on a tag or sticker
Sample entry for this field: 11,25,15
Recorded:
5,26,01
